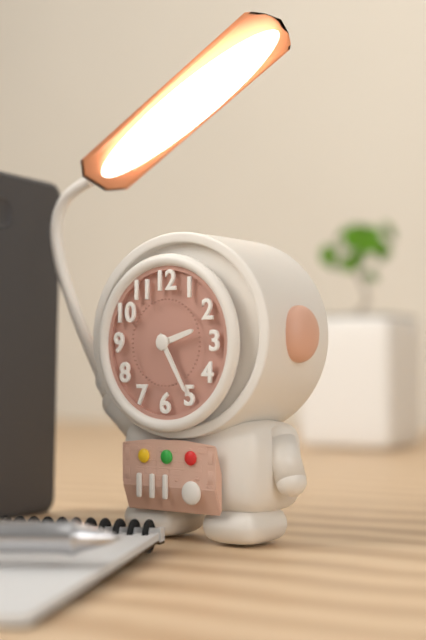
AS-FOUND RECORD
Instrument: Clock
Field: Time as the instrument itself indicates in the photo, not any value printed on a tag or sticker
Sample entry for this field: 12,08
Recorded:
2,25
